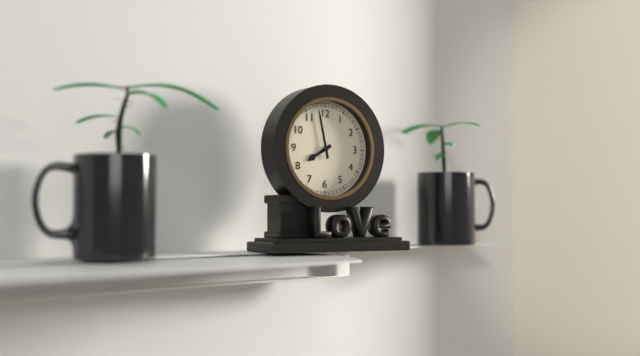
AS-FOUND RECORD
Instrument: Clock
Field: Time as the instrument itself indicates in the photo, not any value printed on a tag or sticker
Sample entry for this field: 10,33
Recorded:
7,58
